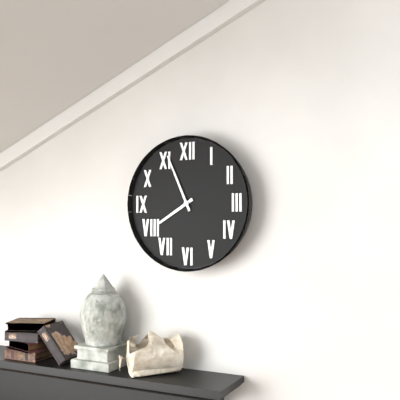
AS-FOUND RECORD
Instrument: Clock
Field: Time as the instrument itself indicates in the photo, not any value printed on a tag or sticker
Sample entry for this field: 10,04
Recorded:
7,56
